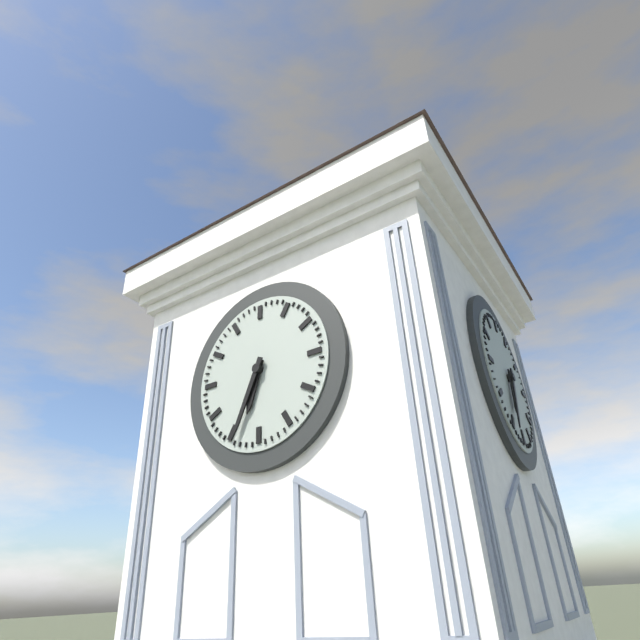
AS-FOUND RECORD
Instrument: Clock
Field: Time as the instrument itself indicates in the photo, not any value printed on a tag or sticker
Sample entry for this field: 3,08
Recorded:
6,34
